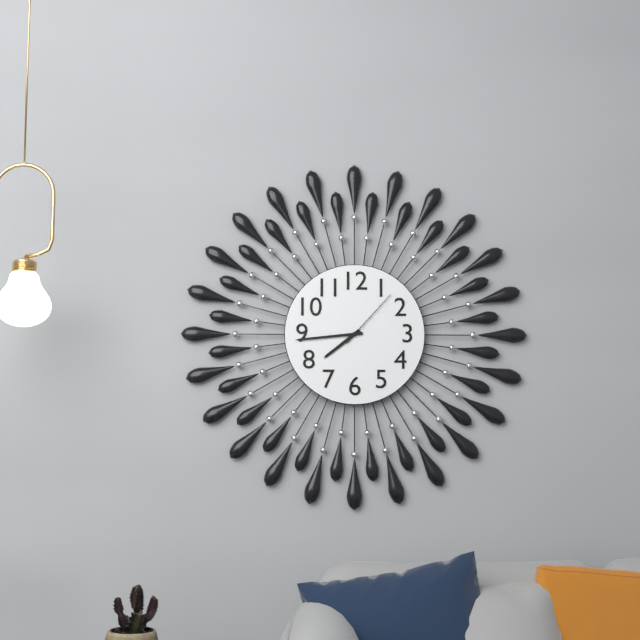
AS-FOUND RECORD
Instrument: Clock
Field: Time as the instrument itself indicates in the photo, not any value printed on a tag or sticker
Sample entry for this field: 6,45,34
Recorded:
7,44,07
